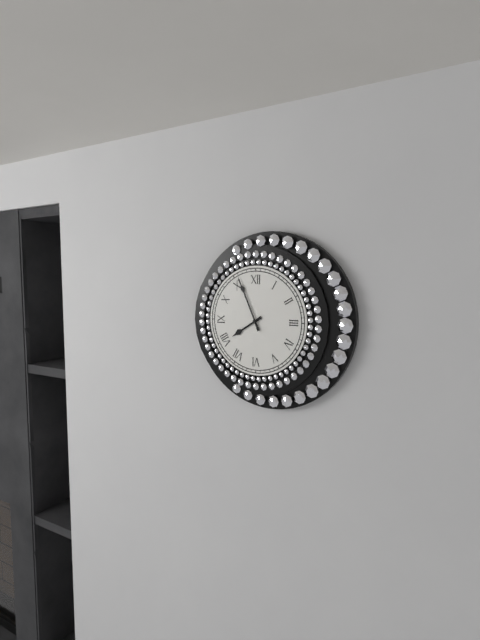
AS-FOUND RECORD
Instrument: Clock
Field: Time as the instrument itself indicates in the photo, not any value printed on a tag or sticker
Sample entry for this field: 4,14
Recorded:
7,56
